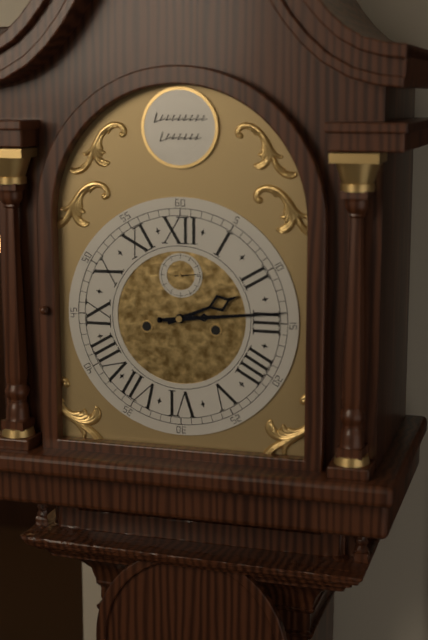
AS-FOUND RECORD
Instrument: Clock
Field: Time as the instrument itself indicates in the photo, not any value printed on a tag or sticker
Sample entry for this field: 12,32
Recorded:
2,14
